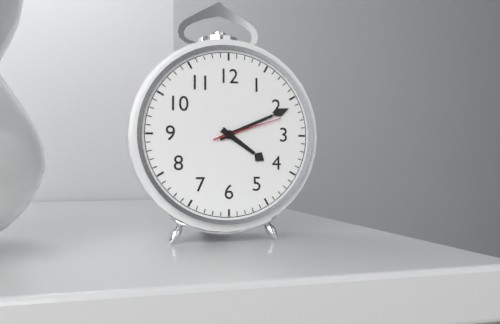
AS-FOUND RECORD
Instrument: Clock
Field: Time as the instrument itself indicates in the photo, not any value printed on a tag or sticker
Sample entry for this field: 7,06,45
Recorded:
4,11,12
